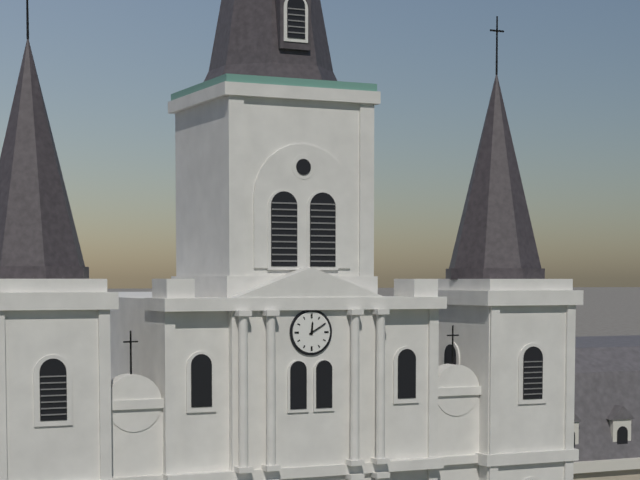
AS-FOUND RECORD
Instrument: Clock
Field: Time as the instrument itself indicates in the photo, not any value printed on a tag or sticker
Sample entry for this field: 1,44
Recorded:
12,10
